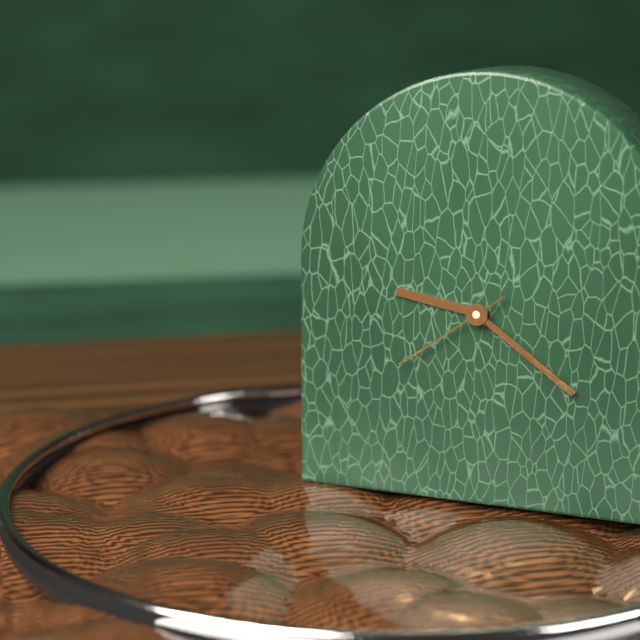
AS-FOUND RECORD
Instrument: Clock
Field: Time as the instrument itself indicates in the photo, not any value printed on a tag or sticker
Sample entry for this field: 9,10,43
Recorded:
9,21,39
